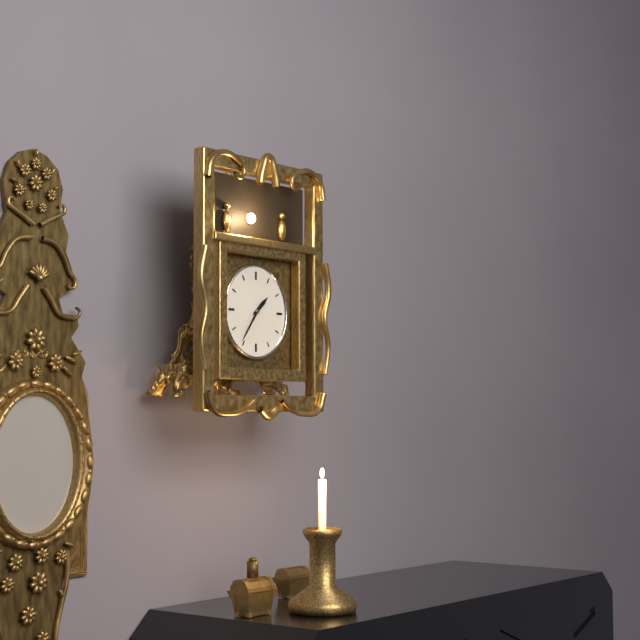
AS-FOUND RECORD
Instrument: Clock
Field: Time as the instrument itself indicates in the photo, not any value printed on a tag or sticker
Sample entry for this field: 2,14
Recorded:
1,36
